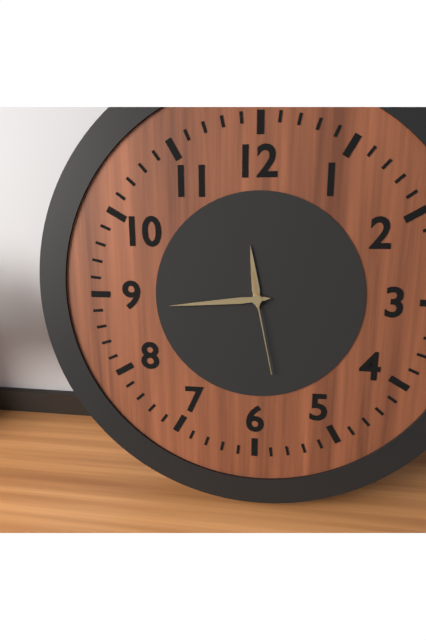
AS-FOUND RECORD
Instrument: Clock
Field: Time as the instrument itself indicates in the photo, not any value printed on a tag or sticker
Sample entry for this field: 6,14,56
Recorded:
11,44,28
